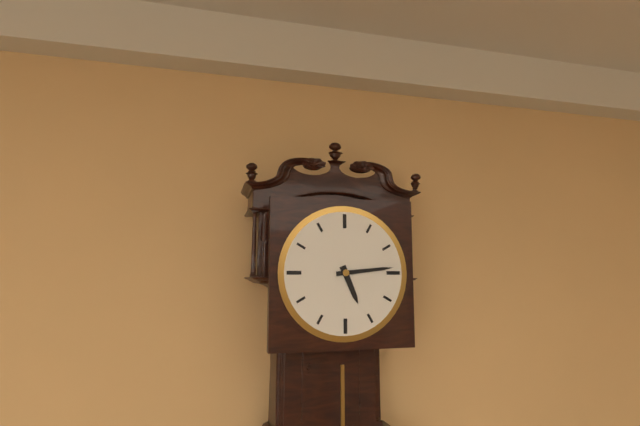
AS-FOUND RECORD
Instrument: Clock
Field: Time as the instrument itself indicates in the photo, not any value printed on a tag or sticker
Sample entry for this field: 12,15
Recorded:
5,14
